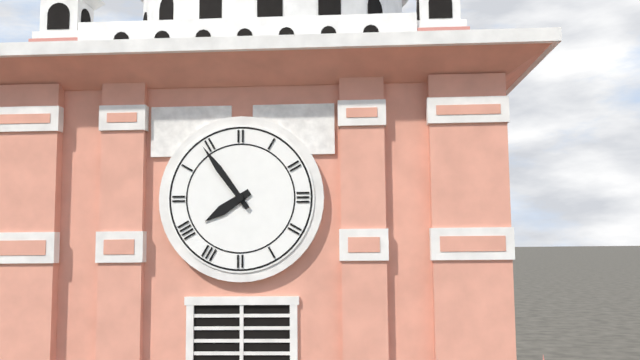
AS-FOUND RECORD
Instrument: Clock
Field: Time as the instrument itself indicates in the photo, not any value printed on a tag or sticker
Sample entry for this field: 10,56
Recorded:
7,54
